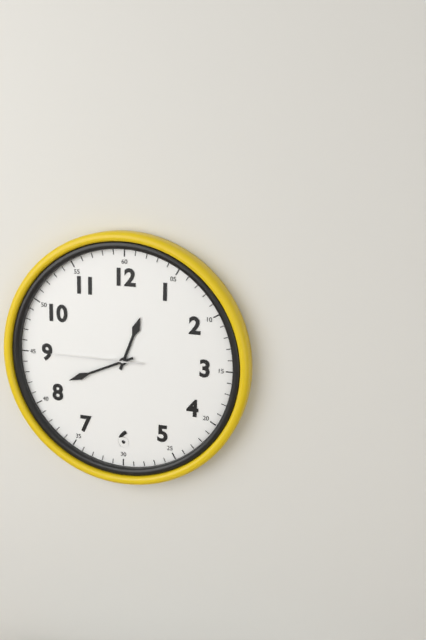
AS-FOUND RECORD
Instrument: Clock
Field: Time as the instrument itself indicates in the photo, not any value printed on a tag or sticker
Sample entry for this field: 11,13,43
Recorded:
12,41,45
